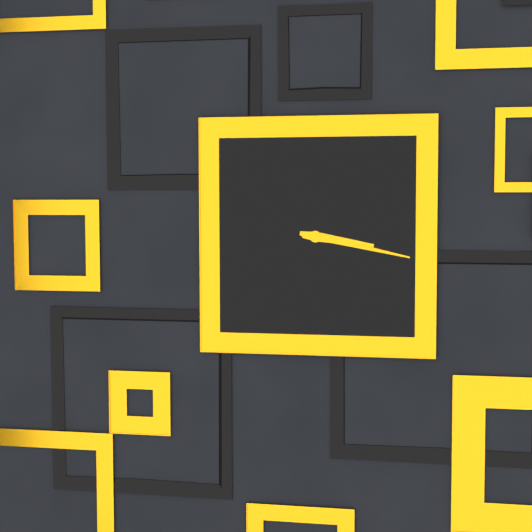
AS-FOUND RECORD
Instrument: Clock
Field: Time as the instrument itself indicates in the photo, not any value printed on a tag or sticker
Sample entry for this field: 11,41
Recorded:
3,17
